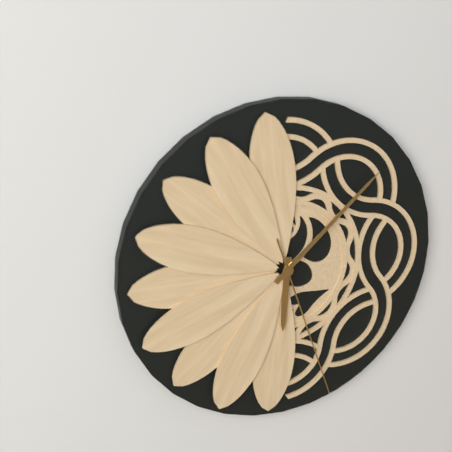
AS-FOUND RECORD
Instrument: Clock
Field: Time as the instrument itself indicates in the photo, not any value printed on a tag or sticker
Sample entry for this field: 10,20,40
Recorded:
6,08,27
